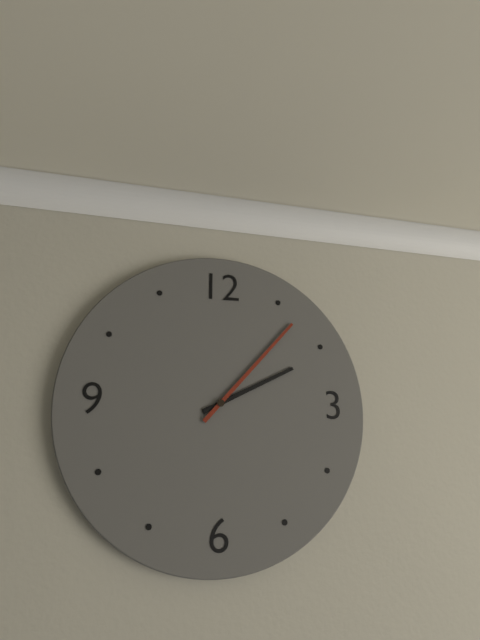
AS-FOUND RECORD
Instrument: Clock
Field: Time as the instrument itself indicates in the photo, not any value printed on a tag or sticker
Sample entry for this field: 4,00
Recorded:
2,07
